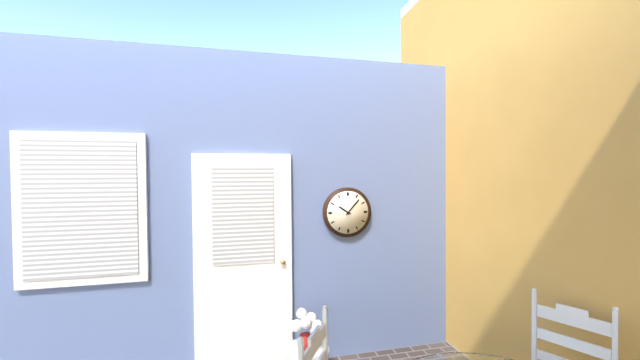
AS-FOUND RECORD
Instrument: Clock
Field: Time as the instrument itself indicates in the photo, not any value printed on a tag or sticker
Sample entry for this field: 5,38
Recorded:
10,07
